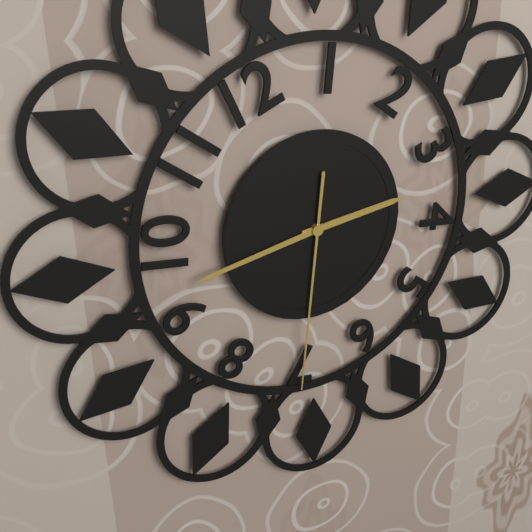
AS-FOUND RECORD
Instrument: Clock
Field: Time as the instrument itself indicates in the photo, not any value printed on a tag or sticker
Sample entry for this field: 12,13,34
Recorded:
2,43,31
